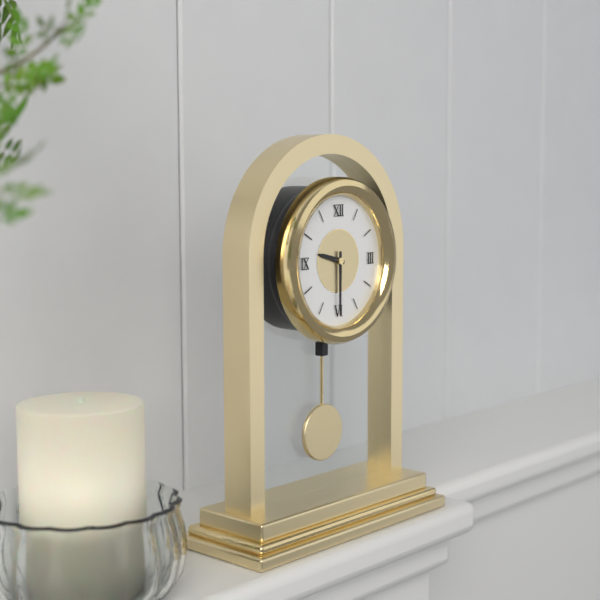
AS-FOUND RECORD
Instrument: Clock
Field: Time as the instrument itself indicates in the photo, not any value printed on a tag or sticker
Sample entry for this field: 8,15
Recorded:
9,30
